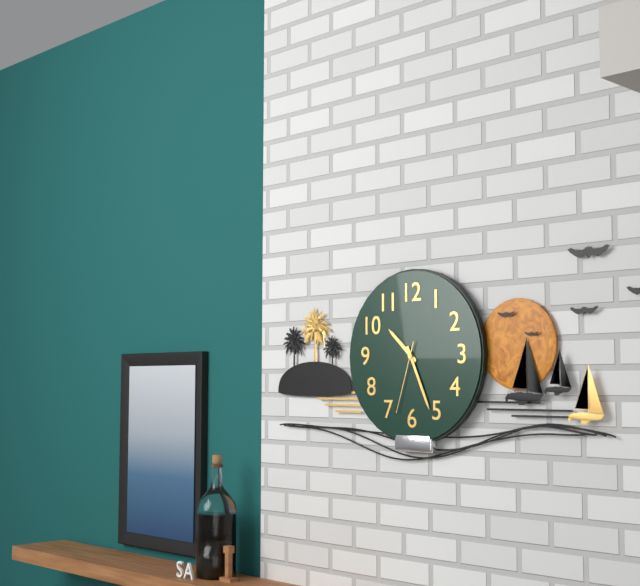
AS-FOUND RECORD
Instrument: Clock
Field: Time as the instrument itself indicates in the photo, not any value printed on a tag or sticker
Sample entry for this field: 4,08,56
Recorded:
10,26,33
